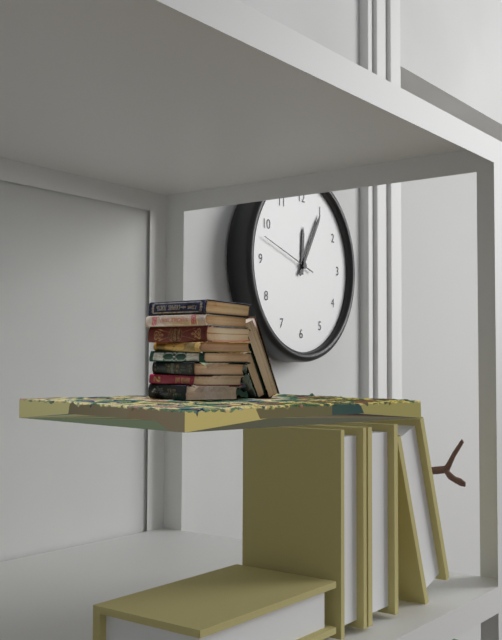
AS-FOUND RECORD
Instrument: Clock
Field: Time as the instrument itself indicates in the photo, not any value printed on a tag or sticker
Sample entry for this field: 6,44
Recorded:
12,05
